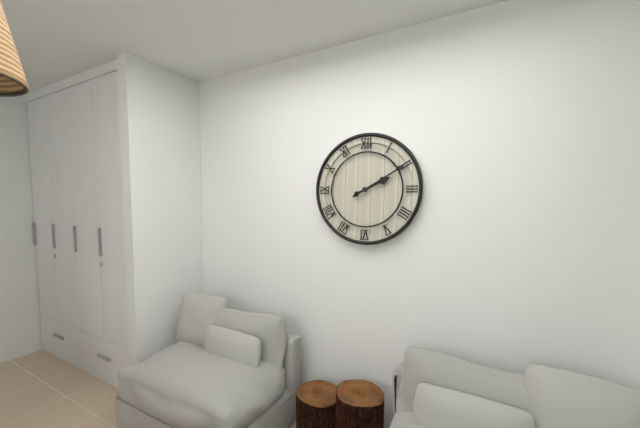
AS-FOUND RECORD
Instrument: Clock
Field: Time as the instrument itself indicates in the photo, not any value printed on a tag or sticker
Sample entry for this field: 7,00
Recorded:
2,10
